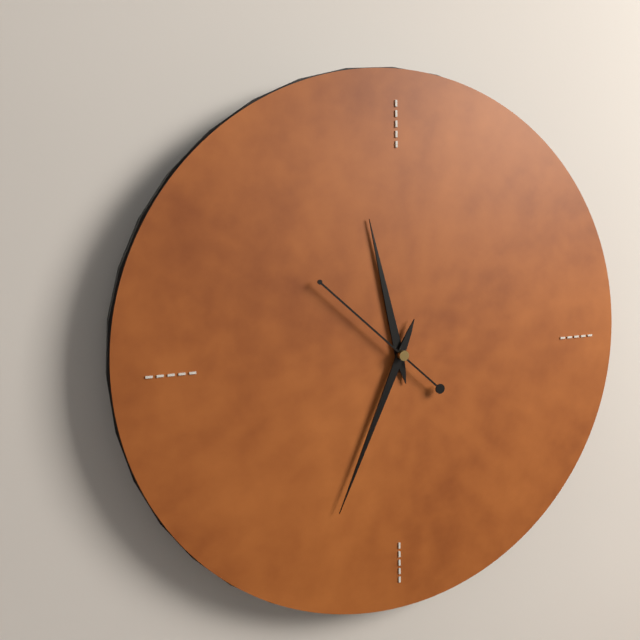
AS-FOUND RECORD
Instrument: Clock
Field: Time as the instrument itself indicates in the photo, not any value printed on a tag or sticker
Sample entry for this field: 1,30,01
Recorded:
11,34,52
